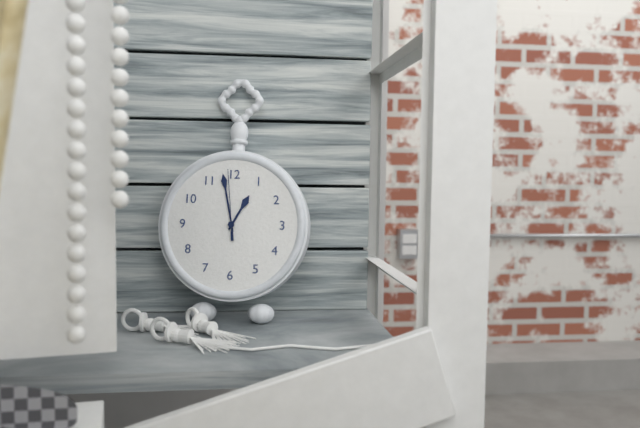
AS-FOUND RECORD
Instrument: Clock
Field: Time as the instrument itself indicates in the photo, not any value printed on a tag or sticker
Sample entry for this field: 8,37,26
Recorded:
12,58,59
